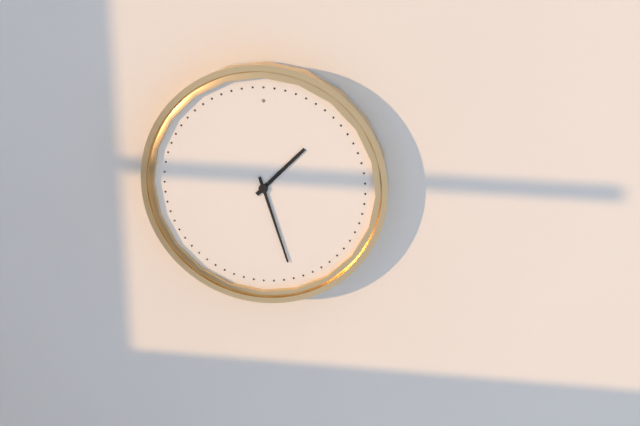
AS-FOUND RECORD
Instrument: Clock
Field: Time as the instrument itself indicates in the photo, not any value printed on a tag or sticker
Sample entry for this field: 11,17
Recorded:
1,27
